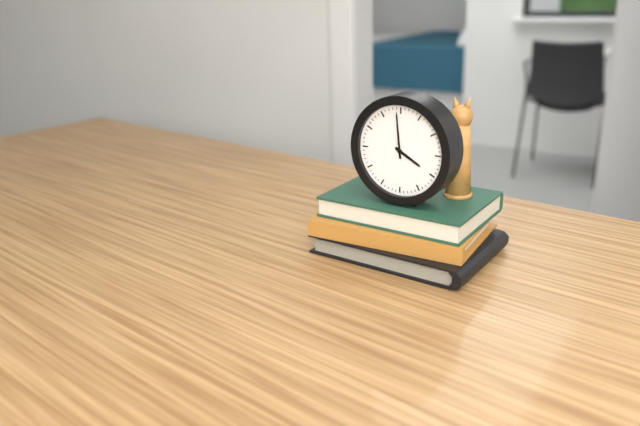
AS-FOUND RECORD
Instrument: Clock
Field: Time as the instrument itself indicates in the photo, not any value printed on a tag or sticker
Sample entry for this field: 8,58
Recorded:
3,59
